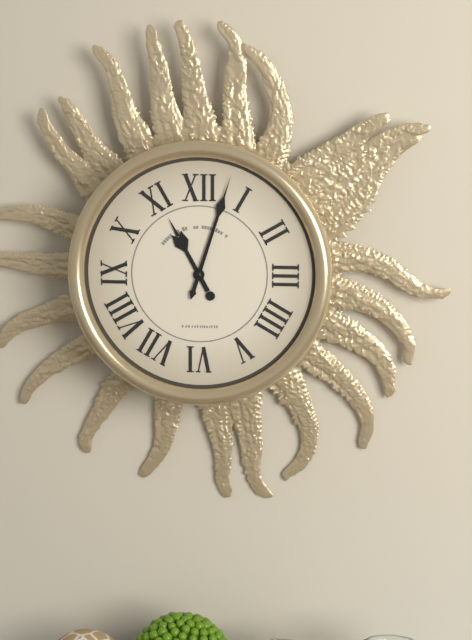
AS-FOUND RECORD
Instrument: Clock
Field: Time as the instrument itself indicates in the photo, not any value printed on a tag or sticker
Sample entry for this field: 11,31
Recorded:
11,03
